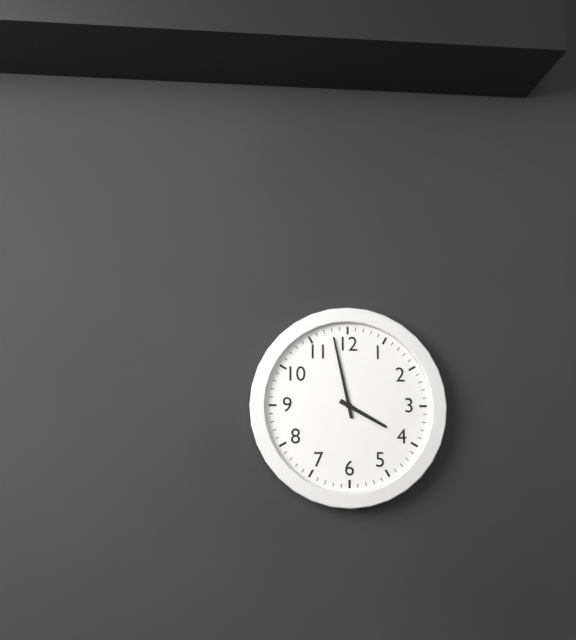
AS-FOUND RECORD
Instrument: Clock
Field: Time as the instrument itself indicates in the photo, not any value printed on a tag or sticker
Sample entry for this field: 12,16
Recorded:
3,58
